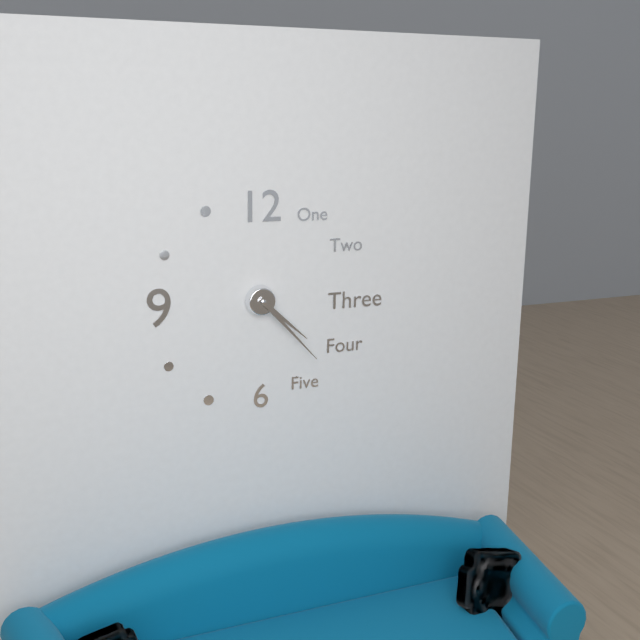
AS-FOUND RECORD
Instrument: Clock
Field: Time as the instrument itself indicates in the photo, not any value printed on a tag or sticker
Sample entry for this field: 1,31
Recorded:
4,23
